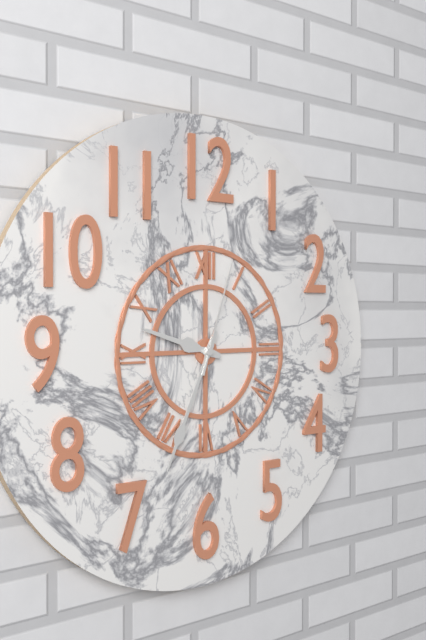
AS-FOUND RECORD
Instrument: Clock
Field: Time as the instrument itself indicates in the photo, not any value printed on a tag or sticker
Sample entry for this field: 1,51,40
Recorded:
9,34,03
